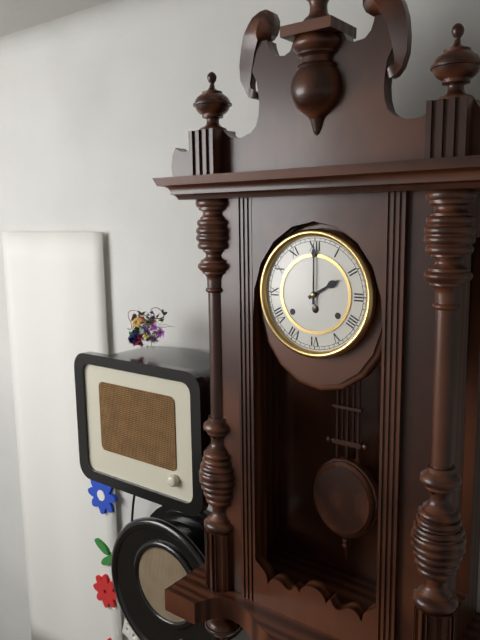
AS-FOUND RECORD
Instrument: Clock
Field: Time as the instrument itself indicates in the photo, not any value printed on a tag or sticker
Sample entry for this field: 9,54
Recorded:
2,00
